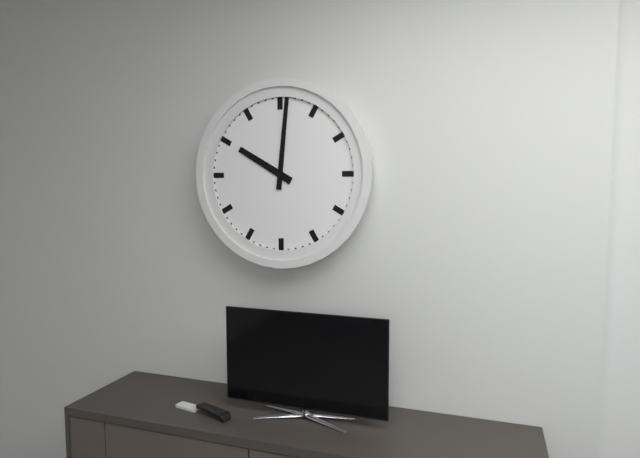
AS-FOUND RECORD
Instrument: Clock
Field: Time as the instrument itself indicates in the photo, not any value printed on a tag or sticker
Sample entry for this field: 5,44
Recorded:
10,01
